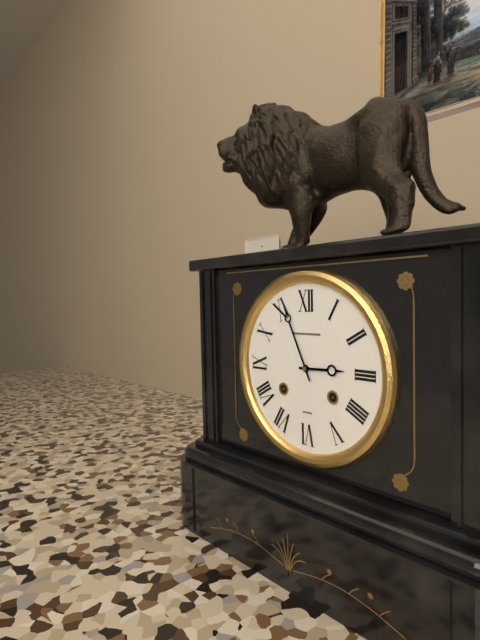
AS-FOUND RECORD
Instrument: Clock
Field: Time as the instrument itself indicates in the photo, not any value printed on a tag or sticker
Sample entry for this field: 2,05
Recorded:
2,56
